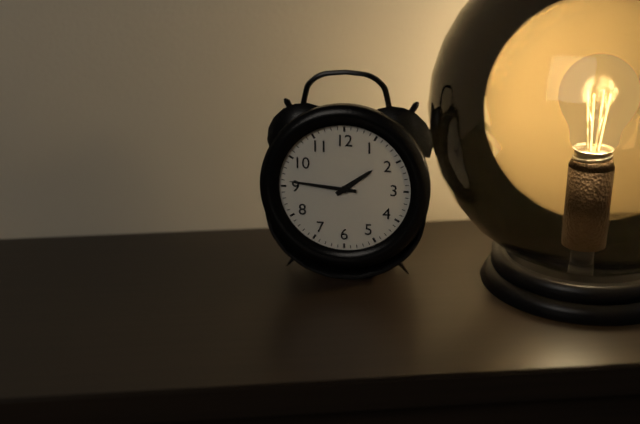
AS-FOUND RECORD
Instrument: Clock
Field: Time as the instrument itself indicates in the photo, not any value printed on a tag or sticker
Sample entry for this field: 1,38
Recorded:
1,46
